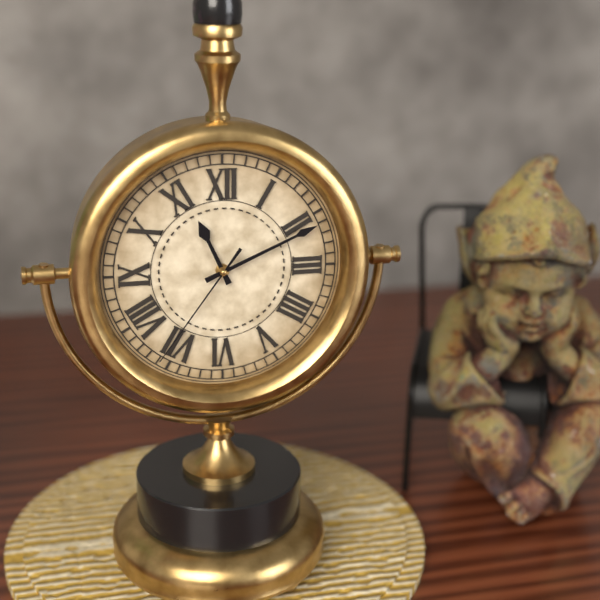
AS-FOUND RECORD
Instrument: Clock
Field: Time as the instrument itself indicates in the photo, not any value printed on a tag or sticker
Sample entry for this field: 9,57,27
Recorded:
11,11,36
